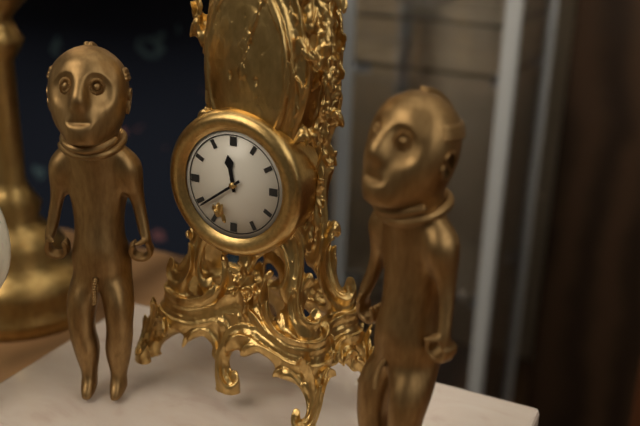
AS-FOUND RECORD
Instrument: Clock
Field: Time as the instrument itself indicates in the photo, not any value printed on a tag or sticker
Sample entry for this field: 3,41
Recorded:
11,39
